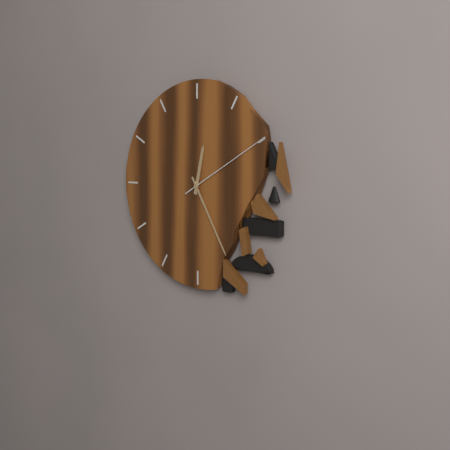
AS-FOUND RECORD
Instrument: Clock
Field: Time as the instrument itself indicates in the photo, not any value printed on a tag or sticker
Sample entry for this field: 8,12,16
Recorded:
12,25,10
